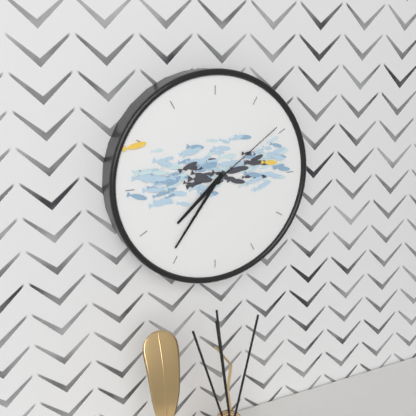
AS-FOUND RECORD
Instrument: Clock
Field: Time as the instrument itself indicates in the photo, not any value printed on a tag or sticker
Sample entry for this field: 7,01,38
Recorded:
7,36,09
